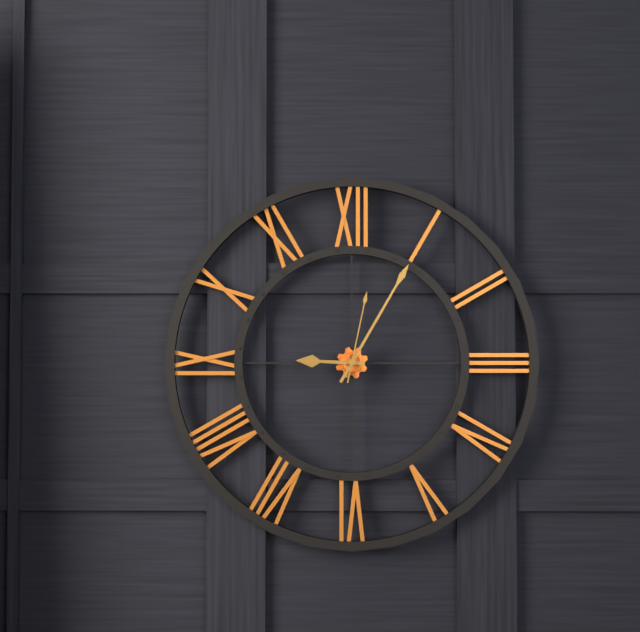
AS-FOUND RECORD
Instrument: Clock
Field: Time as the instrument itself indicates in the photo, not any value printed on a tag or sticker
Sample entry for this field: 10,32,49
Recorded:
9,05,02
